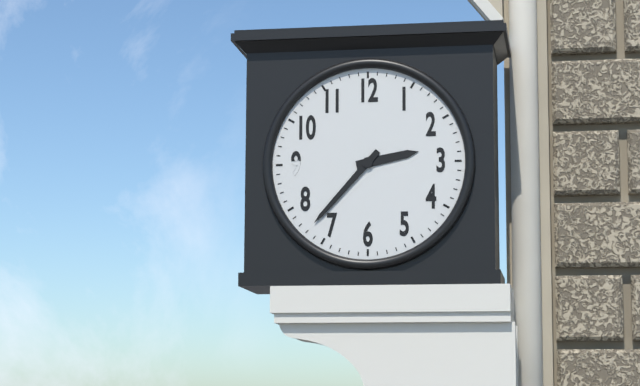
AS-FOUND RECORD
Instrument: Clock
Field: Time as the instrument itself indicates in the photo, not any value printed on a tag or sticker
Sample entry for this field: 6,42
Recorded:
2,37
